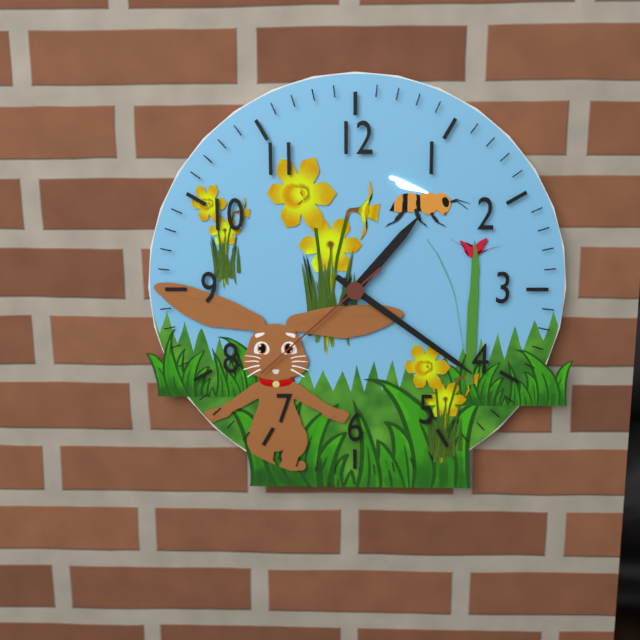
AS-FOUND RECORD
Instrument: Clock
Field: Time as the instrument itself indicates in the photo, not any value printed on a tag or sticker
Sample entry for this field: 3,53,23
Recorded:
1,21,38
